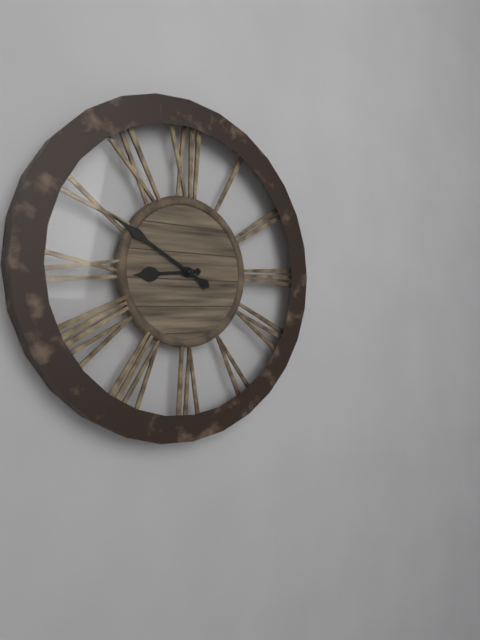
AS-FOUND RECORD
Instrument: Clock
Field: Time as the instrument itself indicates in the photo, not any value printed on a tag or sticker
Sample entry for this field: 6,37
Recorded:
8,50
